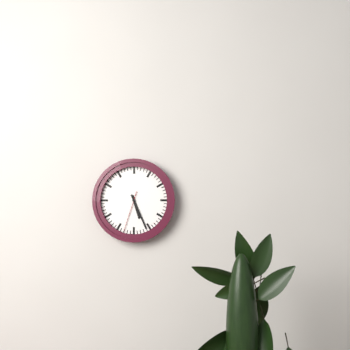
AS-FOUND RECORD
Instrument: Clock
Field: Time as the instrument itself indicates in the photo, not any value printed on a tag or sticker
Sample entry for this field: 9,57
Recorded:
5,26
